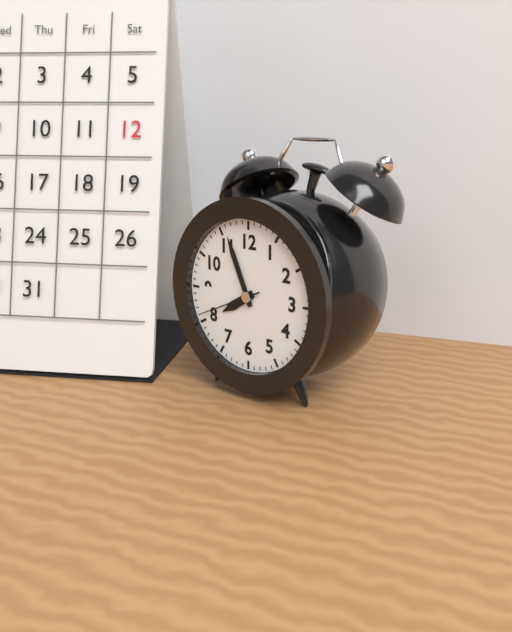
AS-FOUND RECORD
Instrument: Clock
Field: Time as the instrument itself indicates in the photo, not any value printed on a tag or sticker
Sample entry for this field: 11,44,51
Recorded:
7,56,41
